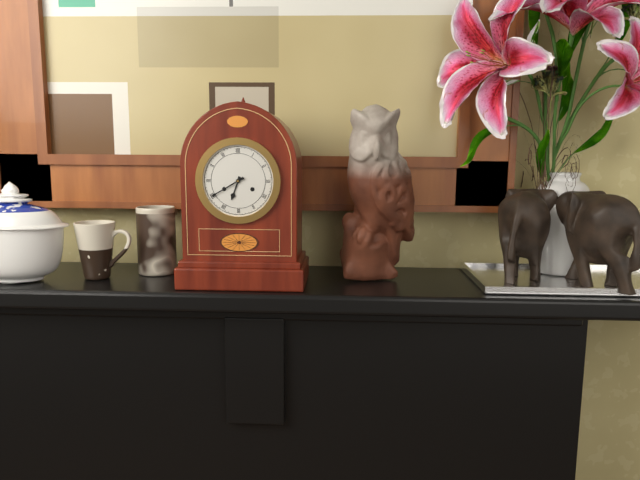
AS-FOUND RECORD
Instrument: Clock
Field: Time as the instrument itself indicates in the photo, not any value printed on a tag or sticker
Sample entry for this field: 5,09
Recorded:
6,40
